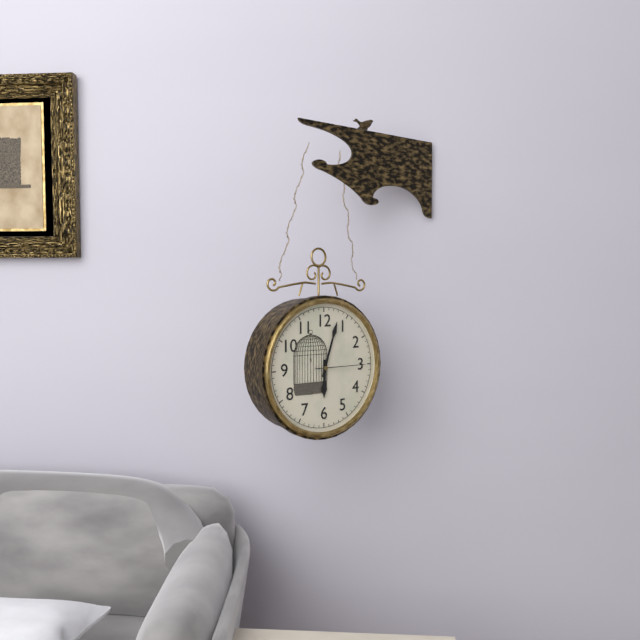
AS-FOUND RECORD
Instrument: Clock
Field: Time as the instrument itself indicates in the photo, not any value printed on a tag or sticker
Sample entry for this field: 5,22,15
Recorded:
6,03,15
